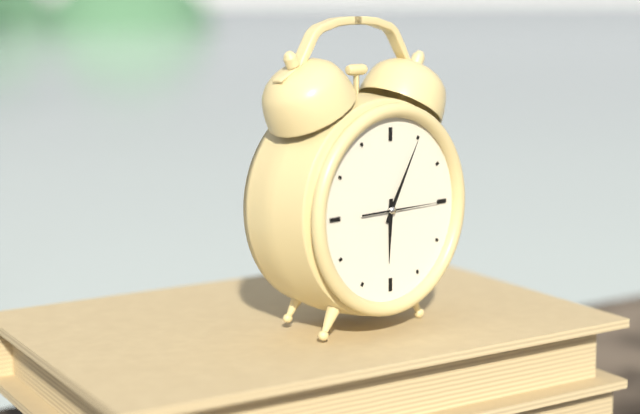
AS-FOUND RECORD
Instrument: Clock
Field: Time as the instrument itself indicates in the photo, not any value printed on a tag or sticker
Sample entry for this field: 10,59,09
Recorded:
6,05,15
